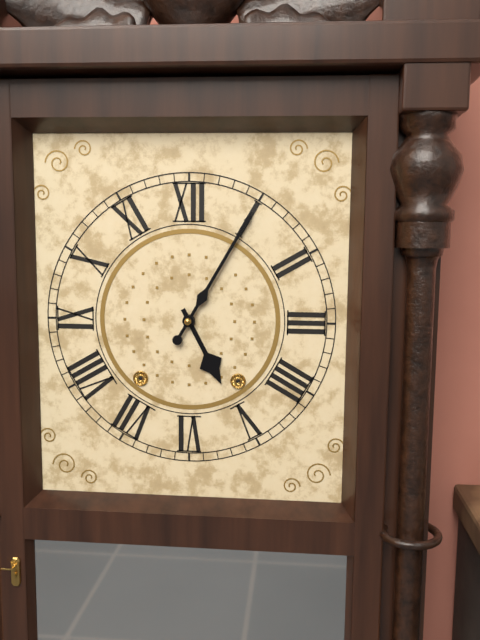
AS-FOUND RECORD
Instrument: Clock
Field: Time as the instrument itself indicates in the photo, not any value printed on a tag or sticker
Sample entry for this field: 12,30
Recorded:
5,05
